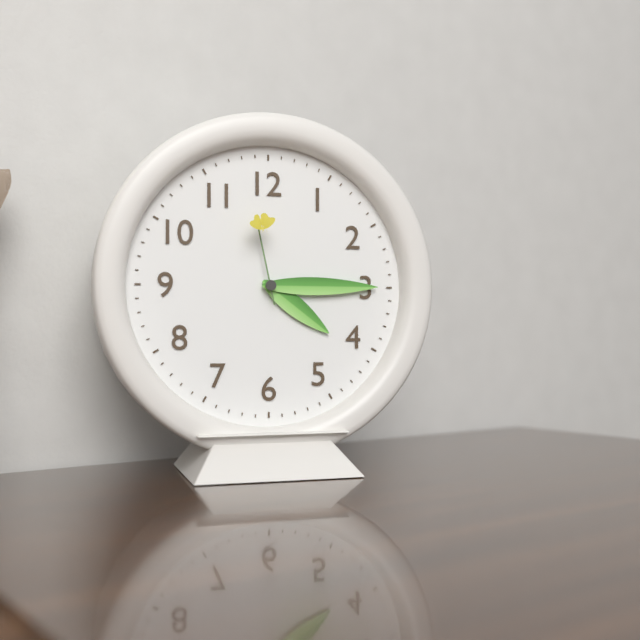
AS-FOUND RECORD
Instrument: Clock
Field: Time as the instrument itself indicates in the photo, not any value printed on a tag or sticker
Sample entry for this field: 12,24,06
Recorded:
4,15,58
